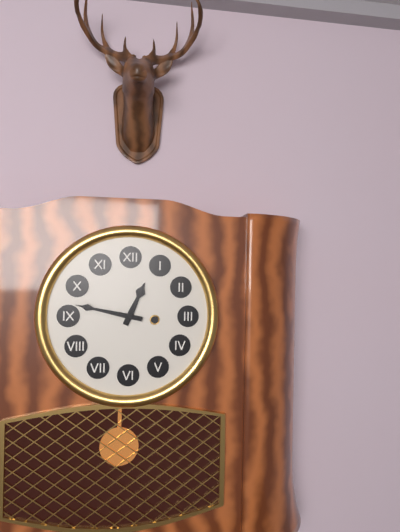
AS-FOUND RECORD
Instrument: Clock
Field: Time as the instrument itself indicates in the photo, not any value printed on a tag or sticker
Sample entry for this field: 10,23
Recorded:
12,47
